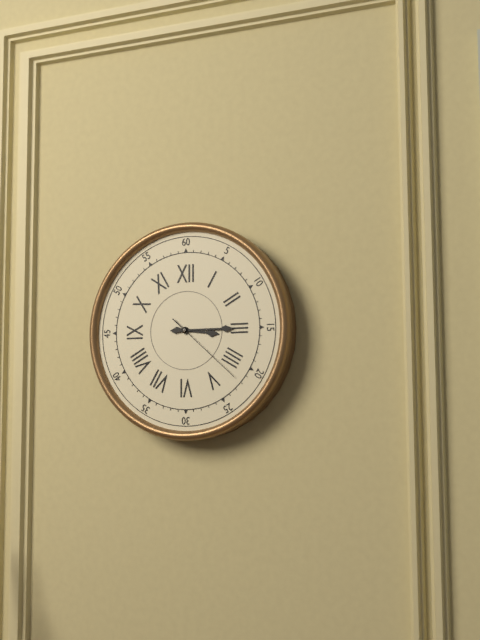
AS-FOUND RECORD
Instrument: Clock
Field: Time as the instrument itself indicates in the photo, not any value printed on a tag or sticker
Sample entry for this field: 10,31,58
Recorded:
3,15,22
